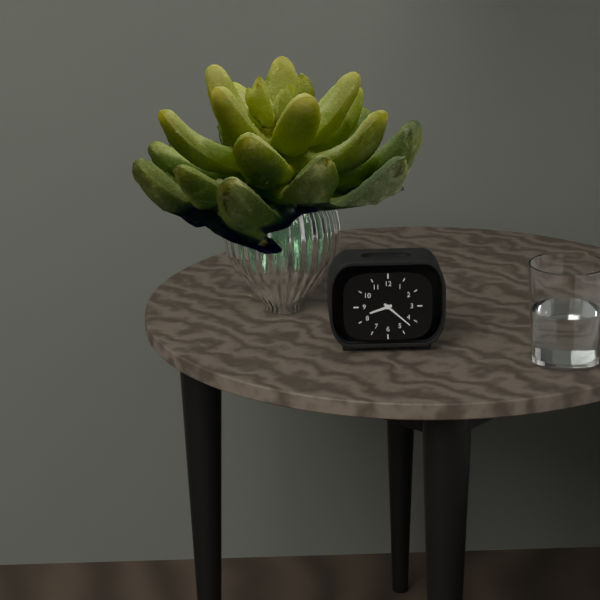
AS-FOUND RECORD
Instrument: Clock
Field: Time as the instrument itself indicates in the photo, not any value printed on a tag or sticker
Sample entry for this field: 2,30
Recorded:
8,22
